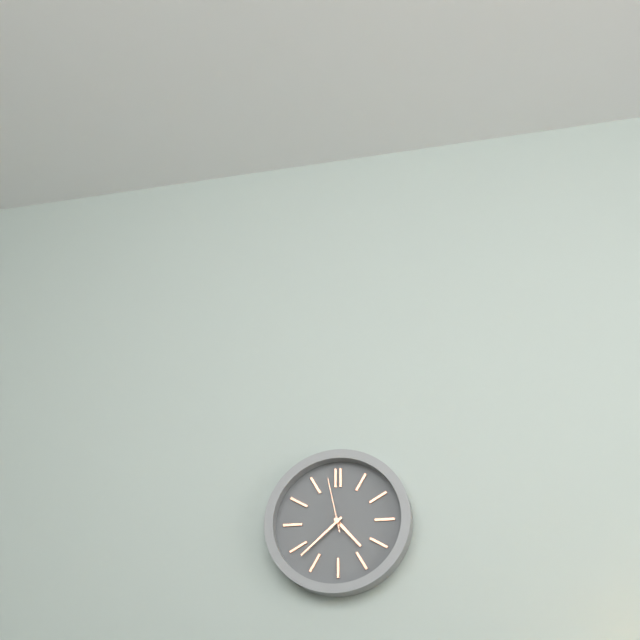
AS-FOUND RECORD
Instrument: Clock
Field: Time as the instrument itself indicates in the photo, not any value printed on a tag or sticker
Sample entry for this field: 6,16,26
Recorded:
4,38,58
